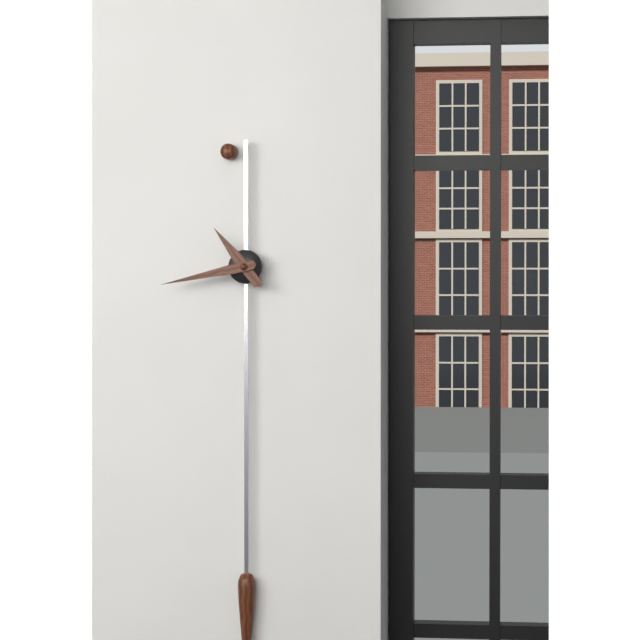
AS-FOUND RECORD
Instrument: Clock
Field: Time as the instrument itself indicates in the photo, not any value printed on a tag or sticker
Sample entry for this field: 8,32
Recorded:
10,43
